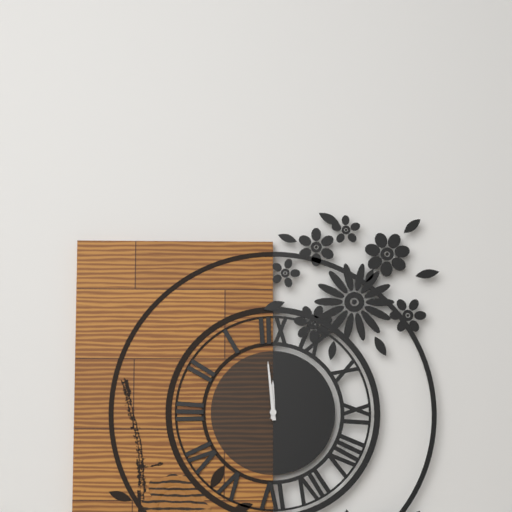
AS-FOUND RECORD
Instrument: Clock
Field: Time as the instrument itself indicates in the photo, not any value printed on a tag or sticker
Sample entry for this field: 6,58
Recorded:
11,59
